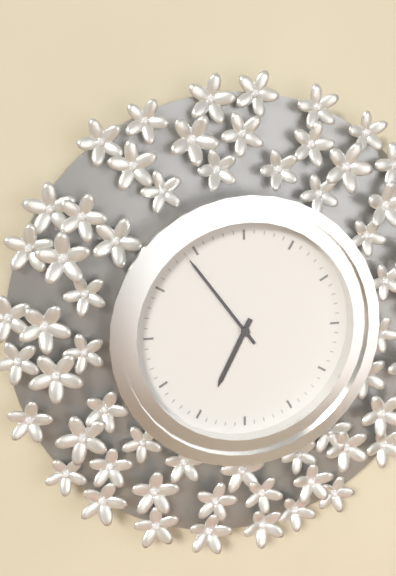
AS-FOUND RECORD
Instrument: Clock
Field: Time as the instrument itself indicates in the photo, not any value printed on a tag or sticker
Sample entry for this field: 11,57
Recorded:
6,54
